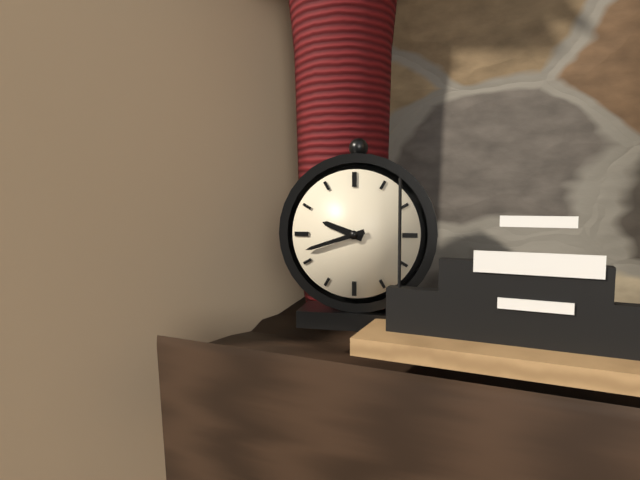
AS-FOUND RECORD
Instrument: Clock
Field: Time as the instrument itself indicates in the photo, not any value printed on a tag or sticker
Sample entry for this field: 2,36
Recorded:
9,42
